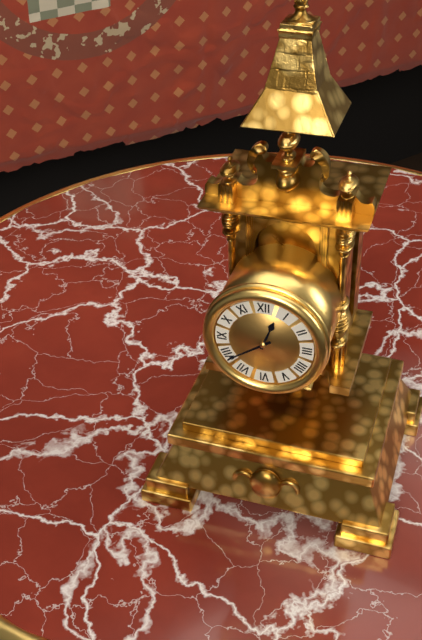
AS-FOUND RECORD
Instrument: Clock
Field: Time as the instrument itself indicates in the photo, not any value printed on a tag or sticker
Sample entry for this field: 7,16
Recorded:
12,39
